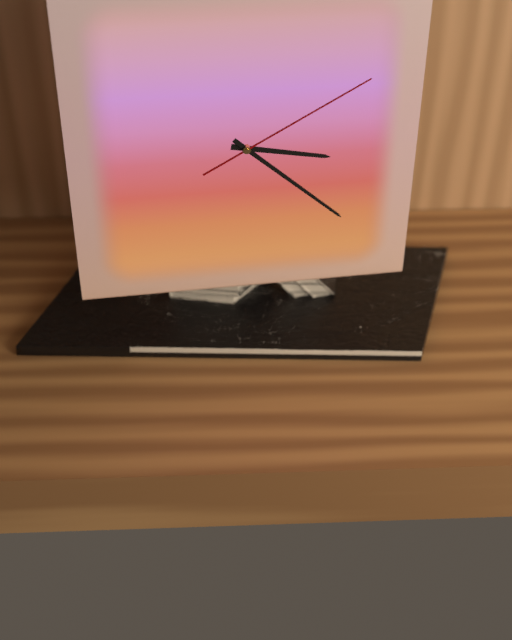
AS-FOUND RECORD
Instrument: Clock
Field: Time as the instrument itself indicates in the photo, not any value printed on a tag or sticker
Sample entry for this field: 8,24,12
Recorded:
3,22,10
